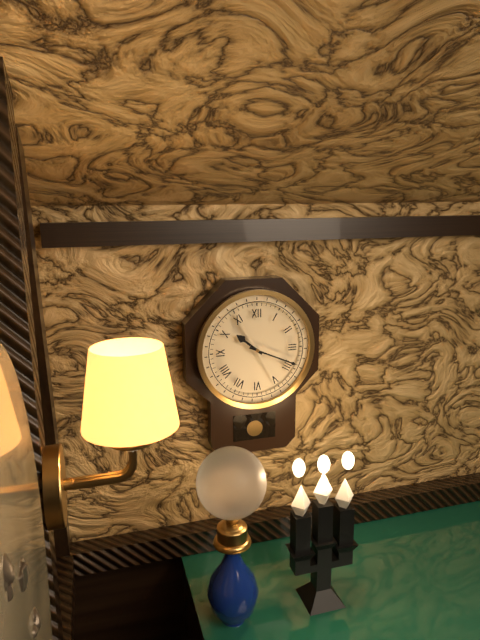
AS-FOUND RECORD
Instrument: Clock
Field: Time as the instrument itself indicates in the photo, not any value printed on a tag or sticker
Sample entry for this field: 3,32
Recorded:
10,19
